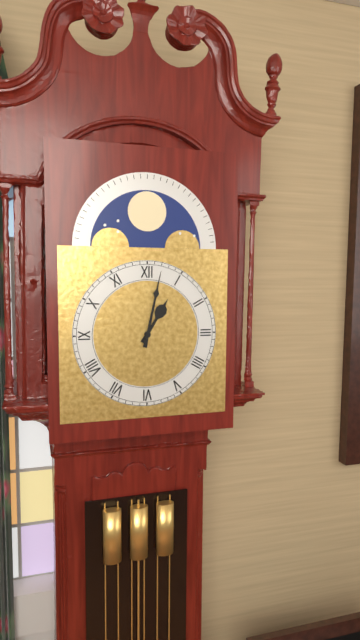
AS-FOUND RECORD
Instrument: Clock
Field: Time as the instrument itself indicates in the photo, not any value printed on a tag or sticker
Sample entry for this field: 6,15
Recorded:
1,02
